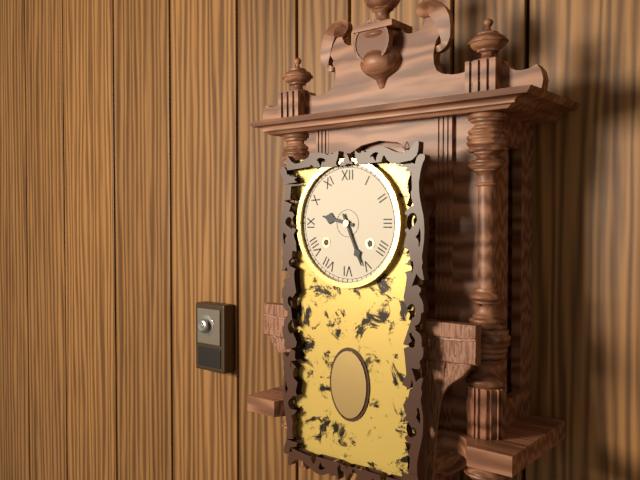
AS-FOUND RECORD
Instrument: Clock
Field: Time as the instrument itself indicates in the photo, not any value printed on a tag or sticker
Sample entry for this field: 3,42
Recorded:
9,26
